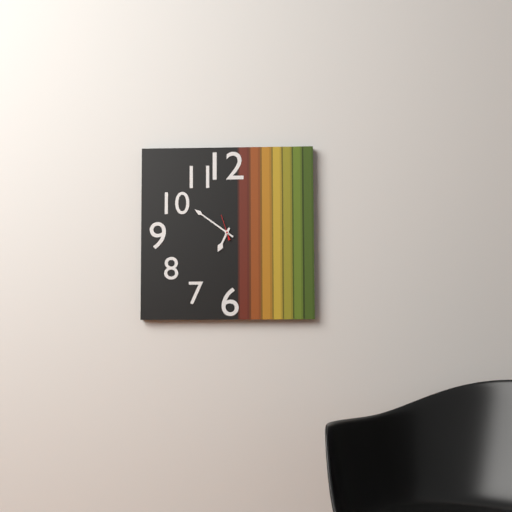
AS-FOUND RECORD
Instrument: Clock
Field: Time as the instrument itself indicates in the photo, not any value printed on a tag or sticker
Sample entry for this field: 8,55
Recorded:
6,51
